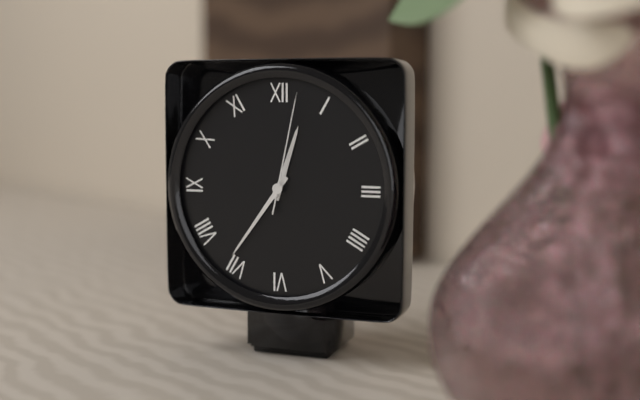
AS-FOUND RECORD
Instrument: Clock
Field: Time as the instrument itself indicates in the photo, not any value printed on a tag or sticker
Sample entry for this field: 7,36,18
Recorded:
12,36,02
